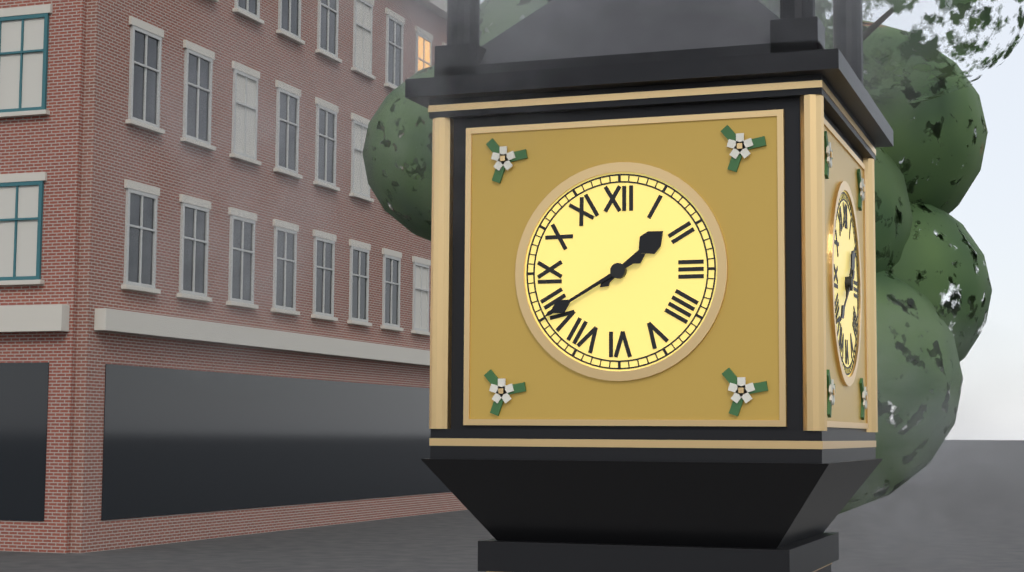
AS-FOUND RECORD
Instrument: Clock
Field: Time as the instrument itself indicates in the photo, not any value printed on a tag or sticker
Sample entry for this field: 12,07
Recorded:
1,40
